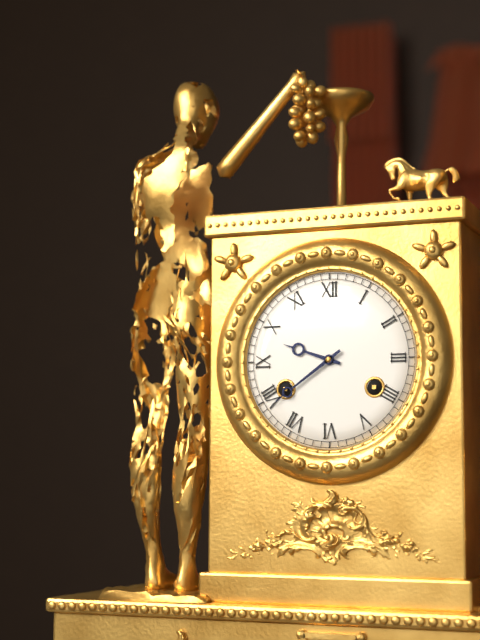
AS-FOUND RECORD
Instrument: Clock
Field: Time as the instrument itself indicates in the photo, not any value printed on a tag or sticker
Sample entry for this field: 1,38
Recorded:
9,39
